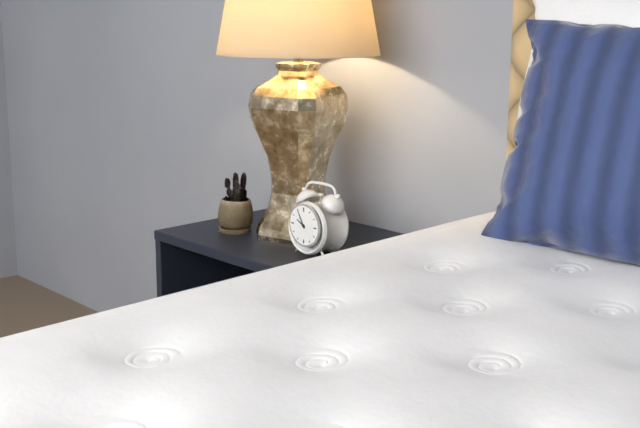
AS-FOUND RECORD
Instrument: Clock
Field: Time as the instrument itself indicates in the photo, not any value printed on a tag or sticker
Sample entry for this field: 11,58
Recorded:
9,55
